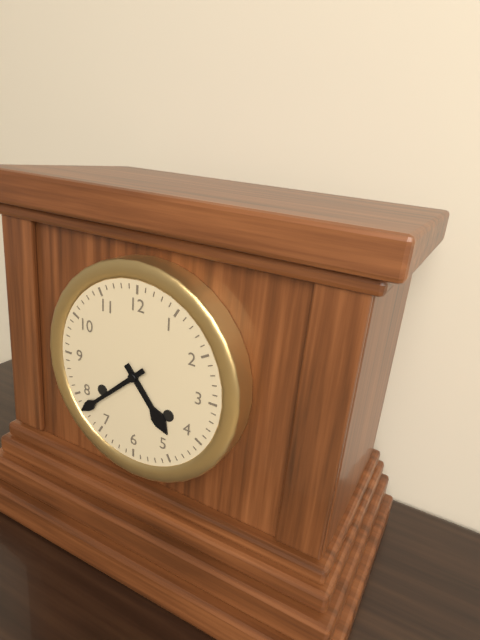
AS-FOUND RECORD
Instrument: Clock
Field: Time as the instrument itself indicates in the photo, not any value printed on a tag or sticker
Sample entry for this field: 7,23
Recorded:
4,38
